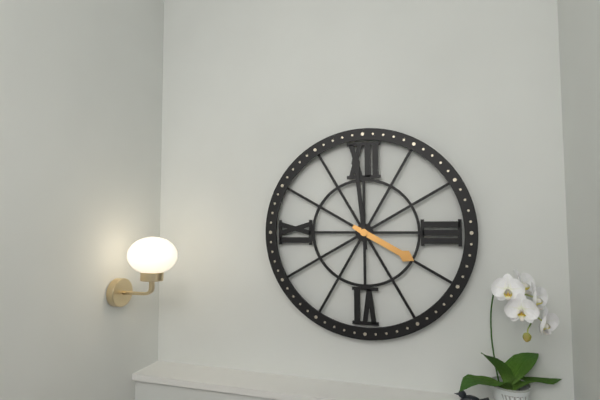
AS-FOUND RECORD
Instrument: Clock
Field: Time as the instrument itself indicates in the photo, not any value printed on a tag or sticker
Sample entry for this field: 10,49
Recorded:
3,59
